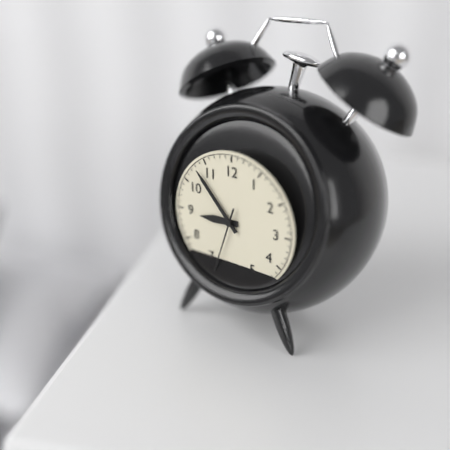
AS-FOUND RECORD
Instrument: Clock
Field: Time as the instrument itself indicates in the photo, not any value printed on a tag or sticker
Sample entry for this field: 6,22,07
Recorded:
8,53,33
